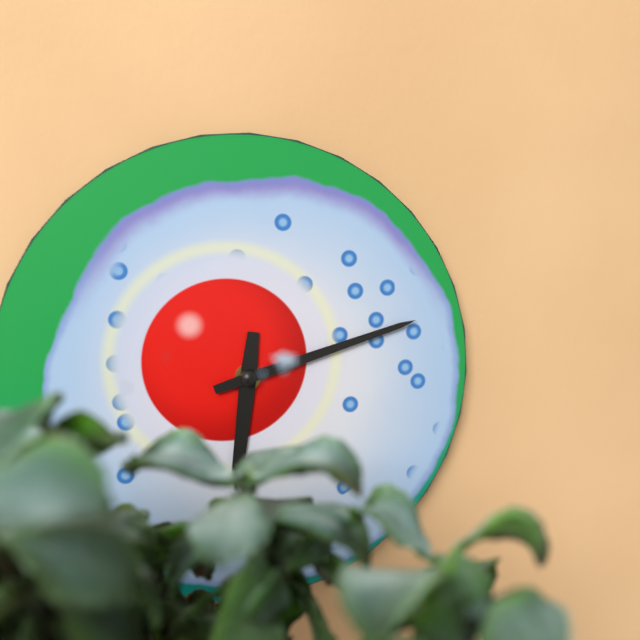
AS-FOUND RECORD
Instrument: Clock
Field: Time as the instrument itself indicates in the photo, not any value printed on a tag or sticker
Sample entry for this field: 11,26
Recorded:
6,12
